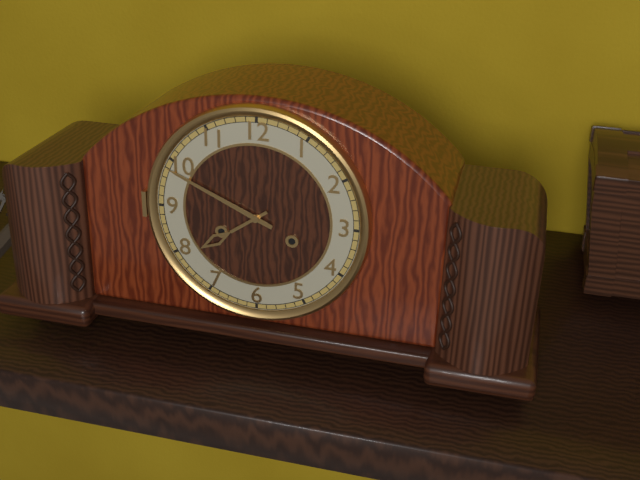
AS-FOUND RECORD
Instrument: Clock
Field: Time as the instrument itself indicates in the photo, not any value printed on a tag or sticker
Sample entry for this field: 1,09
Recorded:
7,49
